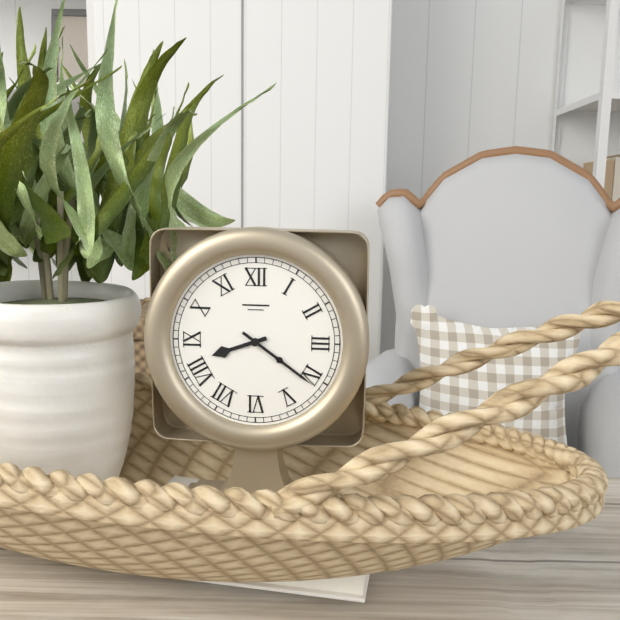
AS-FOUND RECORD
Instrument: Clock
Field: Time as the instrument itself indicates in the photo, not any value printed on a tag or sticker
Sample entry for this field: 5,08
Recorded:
8,21
